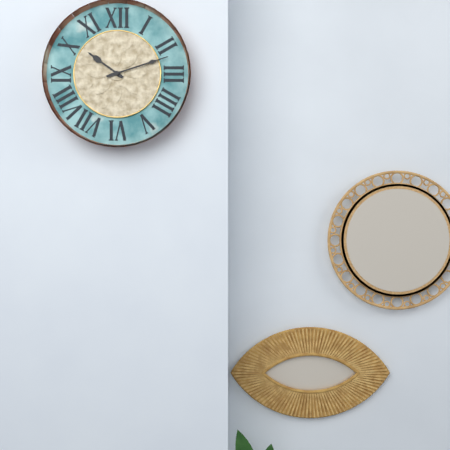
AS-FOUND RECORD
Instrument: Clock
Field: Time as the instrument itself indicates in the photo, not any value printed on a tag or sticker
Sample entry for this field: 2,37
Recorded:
10,12
